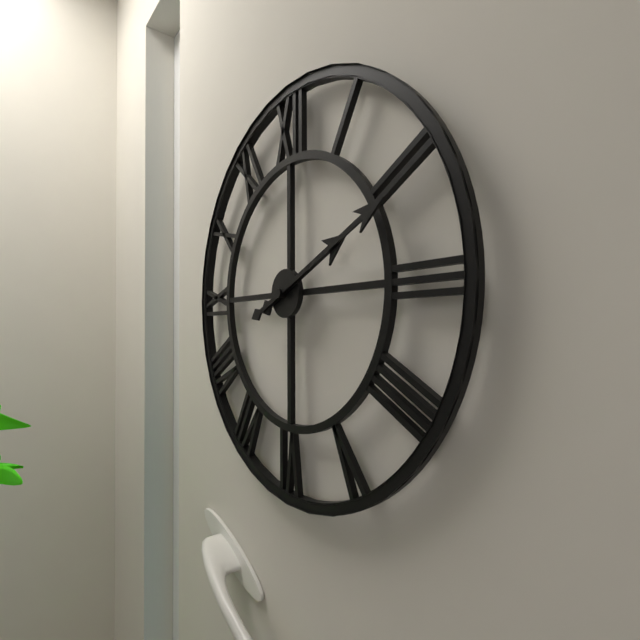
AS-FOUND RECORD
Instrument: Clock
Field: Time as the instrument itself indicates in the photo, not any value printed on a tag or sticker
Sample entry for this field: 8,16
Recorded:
2,11
